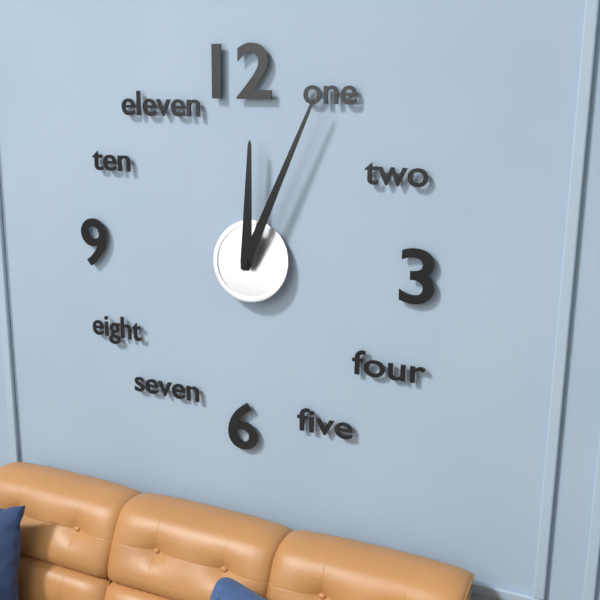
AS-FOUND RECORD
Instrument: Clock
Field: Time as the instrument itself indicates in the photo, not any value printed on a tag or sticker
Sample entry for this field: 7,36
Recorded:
12,04
